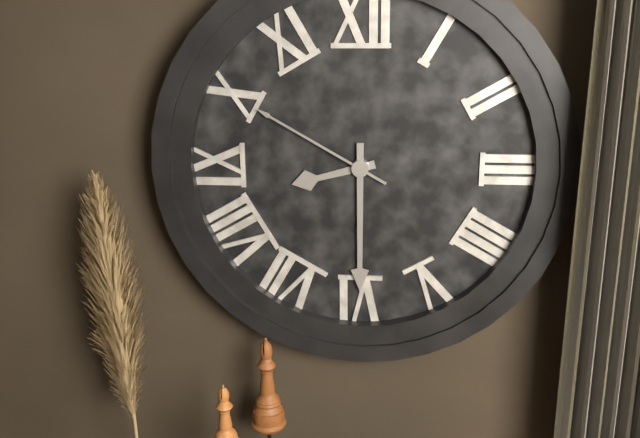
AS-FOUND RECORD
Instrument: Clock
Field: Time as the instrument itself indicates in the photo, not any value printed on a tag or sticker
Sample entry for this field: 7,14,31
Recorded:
8,30,50
